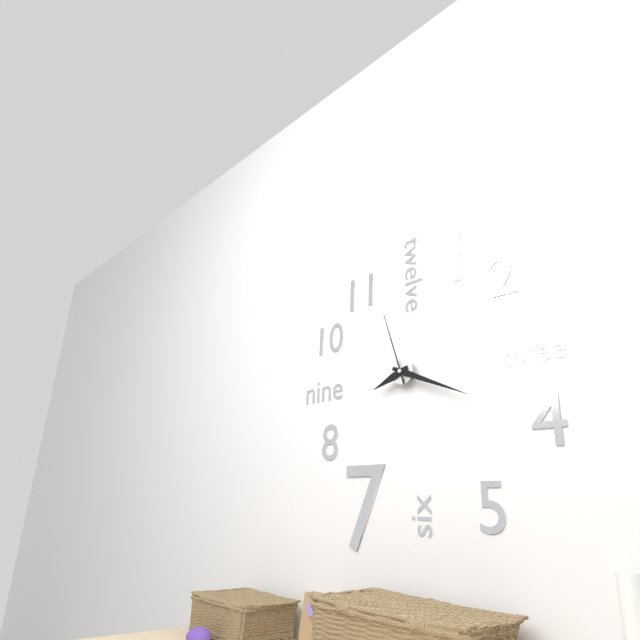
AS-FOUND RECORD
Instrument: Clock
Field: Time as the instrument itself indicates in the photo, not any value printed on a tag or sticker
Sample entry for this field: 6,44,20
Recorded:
8,19,57
